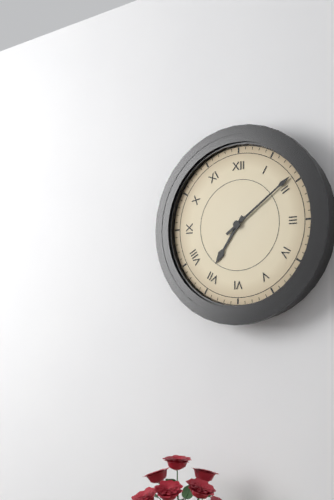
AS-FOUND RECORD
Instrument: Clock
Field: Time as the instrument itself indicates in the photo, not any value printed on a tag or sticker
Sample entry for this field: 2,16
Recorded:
7,09
